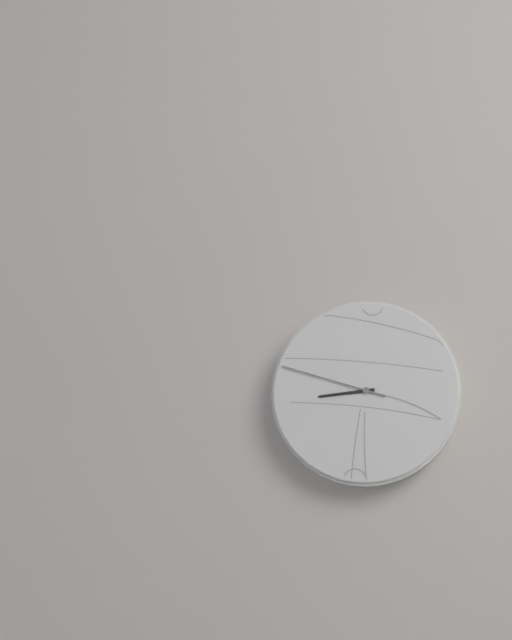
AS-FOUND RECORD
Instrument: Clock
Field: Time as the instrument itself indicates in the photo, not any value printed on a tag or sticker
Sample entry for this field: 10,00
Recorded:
8,48
